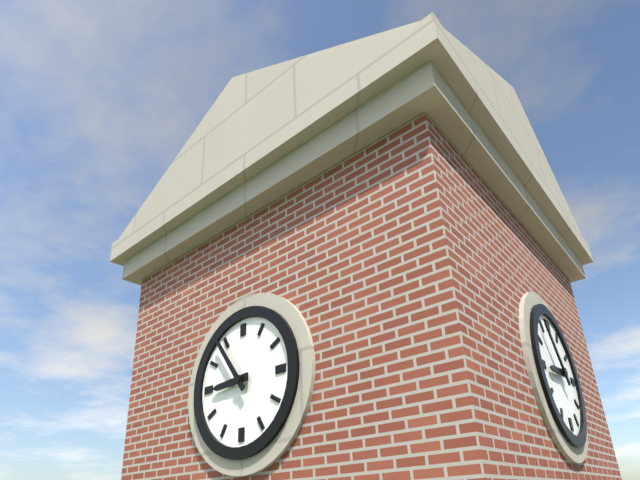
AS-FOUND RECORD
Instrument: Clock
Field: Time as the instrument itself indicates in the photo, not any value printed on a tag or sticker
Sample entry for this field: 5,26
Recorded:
8,54
